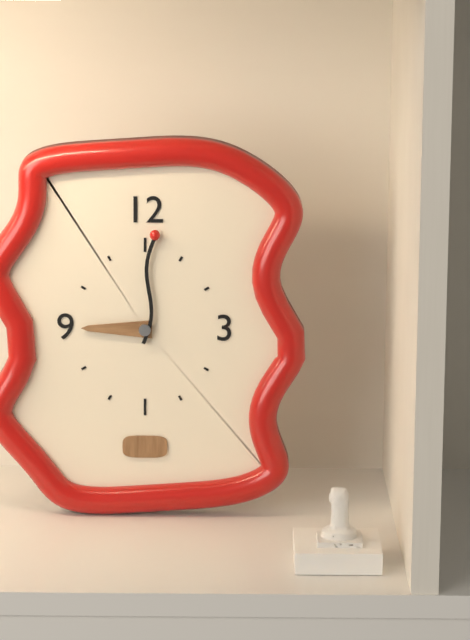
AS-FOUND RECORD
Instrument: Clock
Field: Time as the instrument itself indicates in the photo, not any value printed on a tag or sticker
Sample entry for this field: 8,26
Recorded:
9,01
